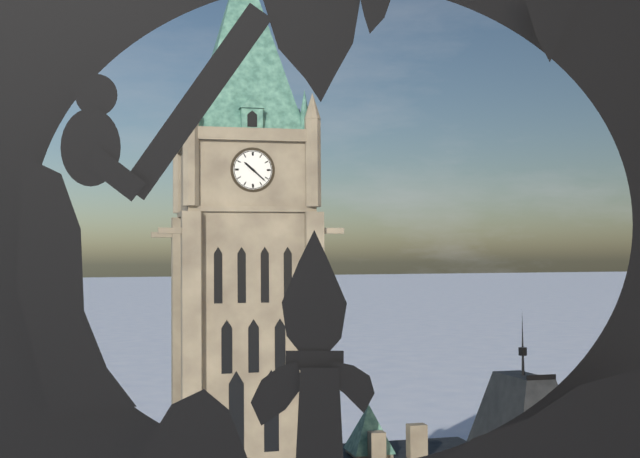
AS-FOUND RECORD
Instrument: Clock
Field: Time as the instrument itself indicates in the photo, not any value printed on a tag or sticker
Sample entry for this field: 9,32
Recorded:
10,22
